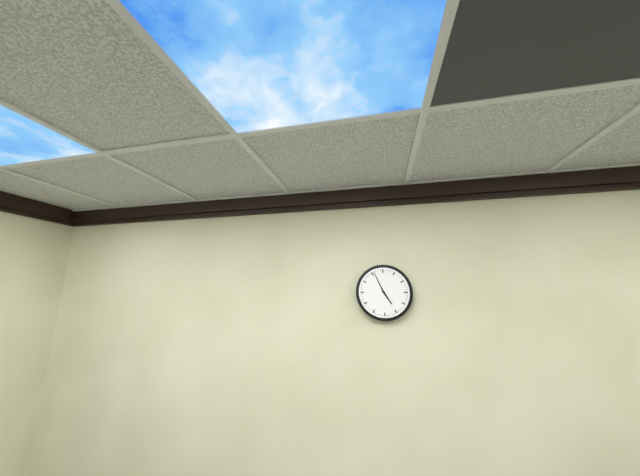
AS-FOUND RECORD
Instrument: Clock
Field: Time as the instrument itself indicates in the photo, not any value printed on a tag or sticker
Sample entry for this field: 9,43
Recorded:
4,56
